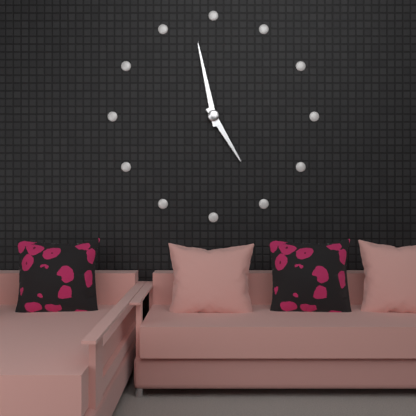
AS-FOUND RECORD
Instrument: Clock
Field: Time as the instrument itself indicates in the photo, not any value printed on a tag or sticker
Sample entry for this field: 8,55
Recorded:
4,58
